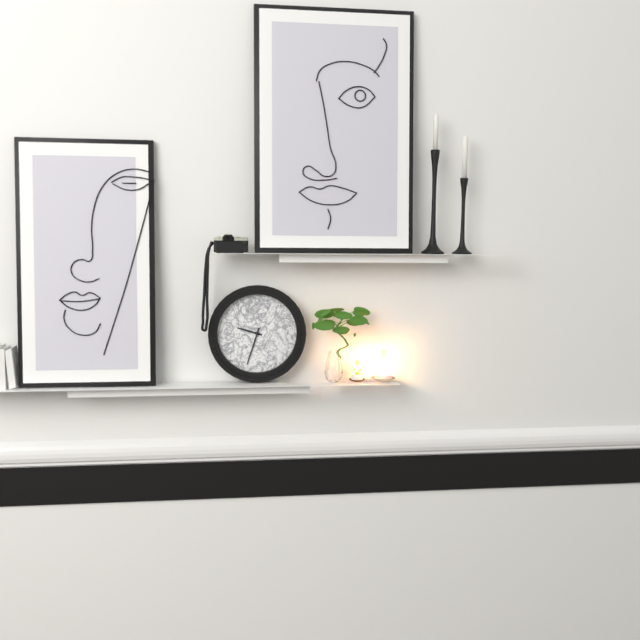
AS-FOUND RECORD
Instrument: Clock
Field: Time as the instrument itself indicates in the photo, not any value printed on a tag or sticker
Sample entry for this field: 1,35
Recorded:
9,33
